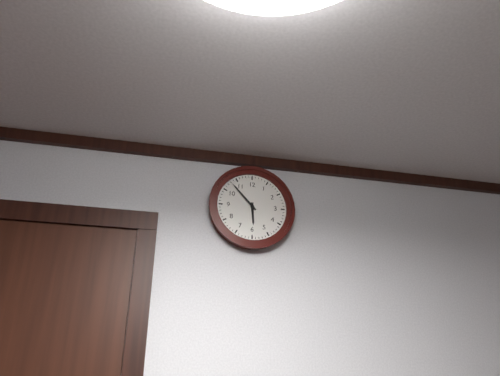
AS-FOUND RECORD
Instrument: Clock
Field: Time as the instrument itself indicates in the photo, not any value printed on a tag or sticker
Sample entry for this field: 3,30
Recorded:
5,53
